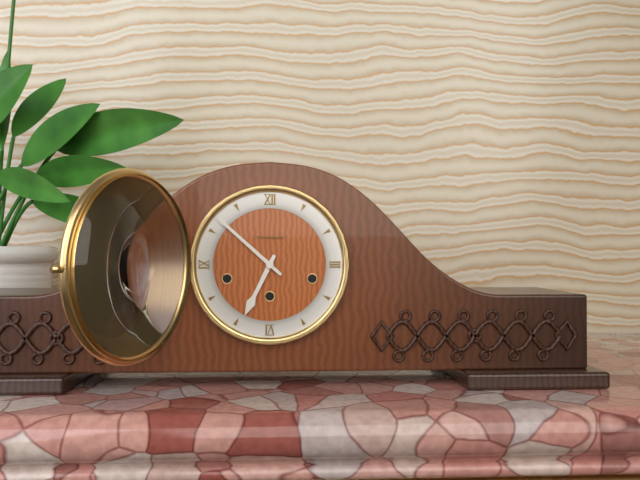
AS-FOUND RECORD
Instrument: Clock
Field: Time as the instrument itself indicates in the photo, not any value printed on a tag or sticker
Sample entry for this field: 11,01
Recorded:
6,52
